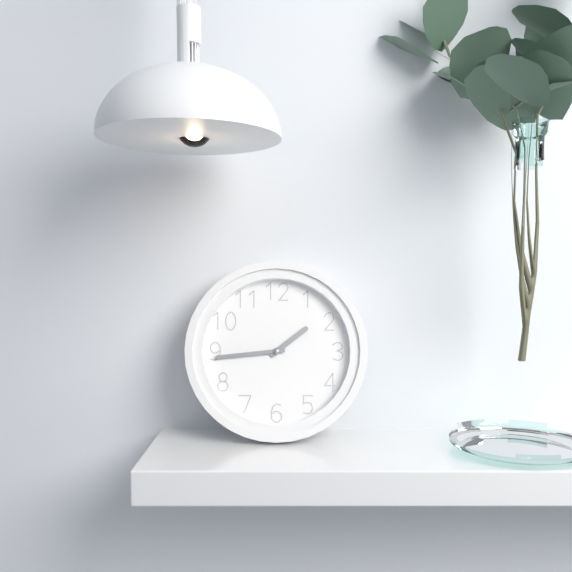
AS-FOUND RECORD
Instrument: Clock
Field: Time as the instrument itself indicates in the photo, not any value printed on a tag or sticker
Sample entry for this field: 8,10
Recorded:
1,44
